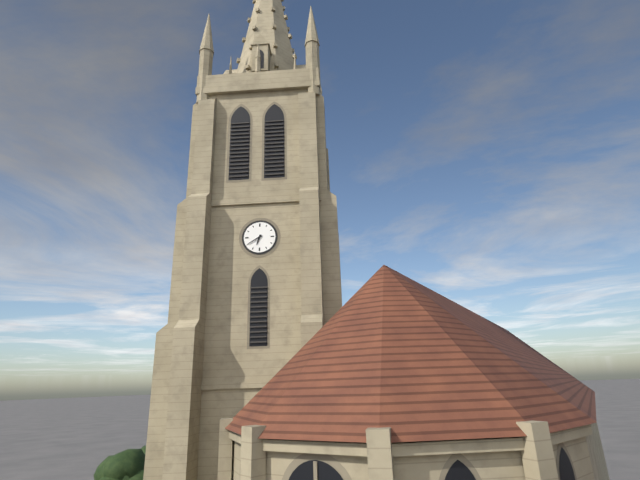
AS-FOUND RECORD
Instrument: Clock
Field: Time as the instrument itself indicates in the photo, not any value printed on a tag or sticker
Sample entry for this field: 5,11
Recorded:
6,40
